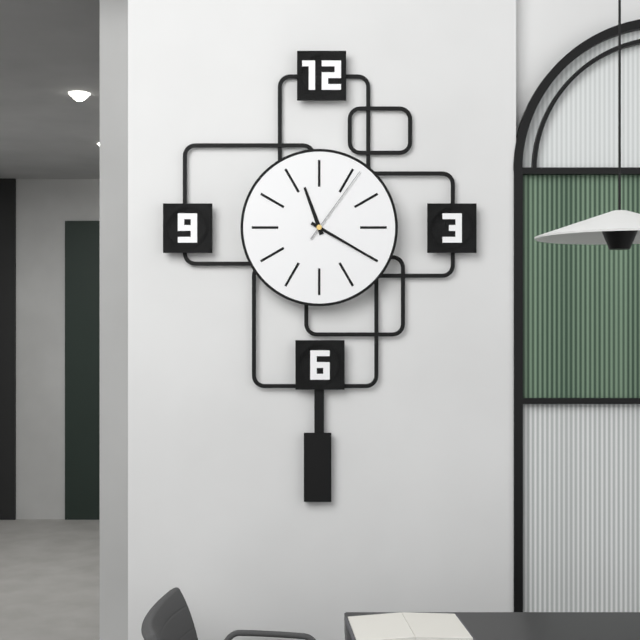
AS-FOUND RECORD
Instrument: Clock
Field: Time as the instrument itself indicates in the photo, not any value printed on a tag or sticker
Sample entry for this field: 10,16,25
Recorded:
11,20,06
